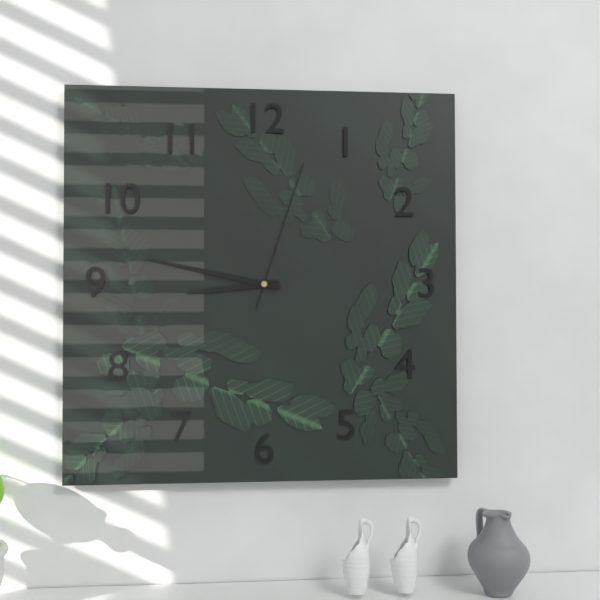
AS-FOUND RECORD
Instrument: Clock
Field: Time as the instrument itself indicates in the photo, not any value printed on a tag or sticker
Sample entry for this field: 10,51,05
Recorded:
8,47,03
